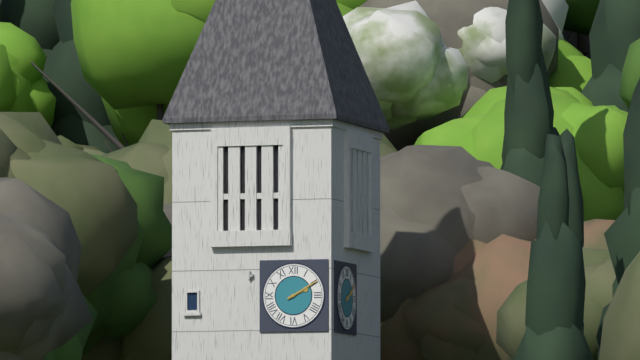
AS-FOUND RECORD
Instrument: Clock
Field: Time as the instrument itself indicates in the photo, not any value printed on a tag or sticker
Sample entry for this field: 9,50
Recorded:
2,10
